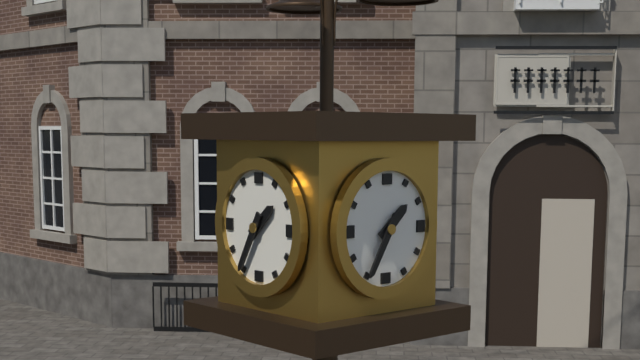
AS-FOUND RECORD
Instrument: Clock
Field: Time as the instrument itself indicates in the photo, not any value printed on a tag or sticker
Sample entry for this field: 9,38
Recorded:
1,35
